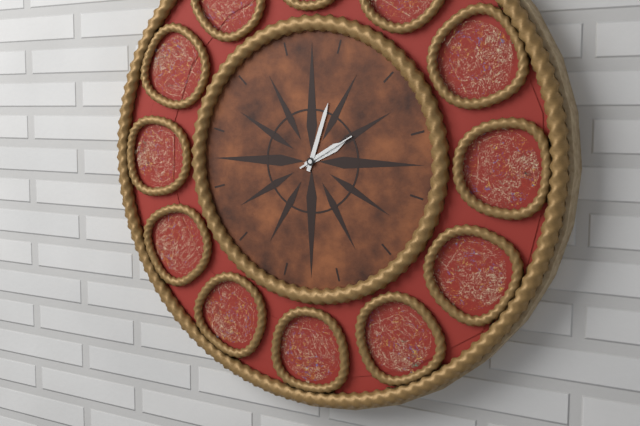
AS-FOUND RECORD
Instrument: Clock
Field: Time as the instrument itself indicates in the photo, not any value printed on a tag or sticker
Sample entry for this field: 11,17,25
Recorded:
2,03,10
